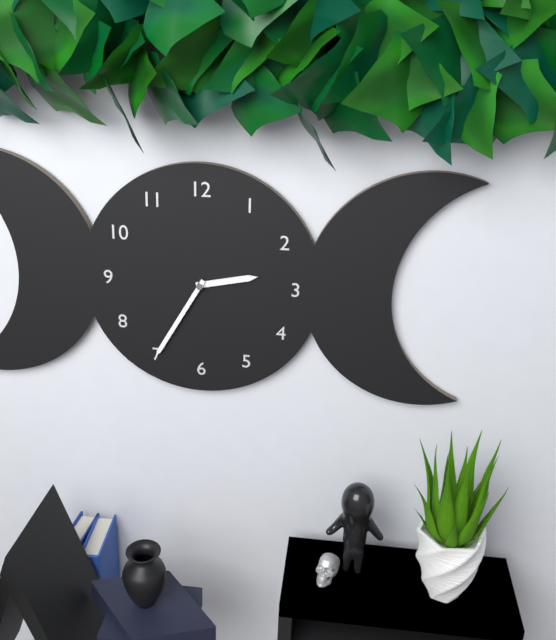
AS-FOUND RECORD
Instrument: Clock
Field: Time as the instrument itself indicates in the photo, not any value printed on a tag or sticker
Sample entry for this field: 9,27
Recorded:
2,35
